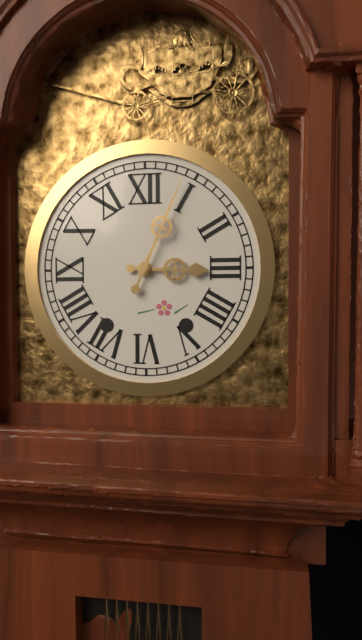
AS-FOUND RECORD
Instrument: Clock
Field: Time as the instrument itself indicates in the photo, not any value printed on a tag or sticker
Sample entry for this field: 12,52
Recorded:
3,04
